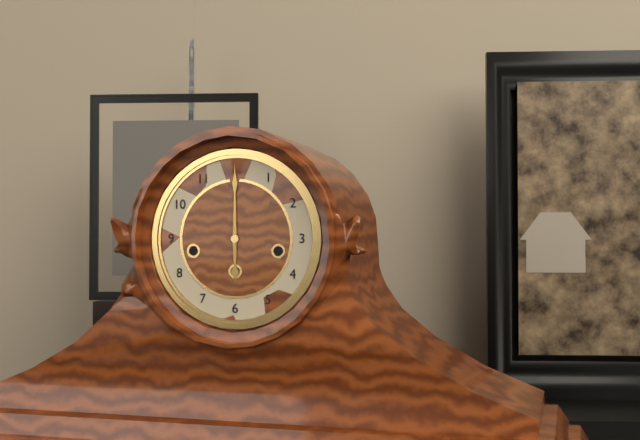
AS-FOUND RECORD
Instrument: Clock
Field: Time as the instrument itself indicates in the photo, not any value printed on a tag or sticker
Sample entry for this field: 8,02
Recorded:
6,00
